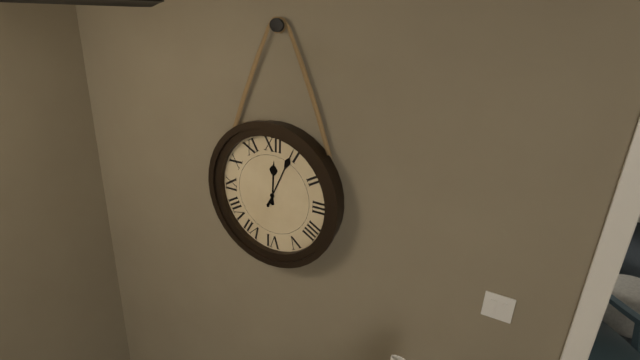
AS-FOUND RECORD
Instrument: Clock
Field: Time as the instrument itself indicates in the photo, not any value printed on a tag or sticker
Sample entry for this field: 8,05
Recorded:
12,04
